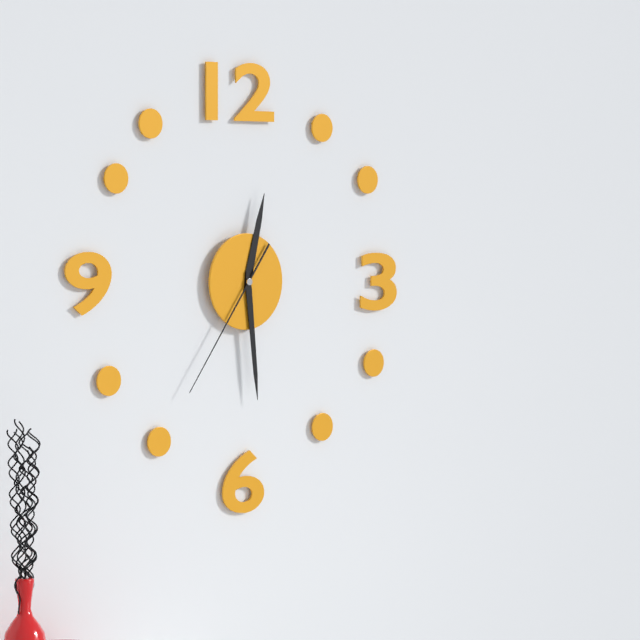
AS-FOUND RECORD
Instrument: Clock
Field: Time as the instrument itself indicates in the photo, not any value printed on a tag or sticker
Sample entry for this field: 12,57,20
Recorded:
12,29,36
